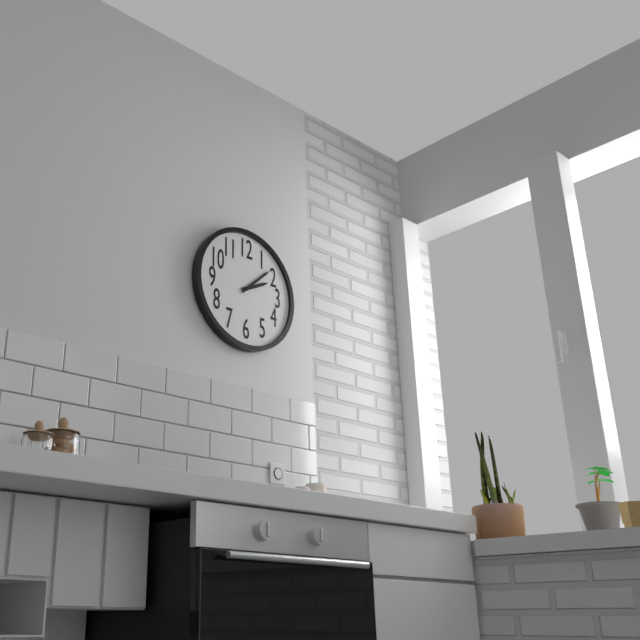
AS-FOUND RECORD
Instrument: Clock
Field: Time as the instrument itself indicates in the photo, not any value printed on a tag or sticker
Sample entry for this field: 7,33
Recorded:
2,08
